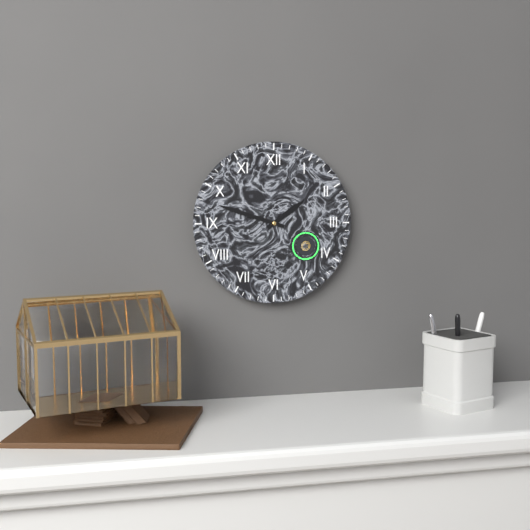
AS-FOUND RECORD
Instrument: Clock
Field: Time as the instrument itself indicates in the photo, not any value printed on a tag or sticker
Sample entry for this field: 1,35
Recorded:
1,48
